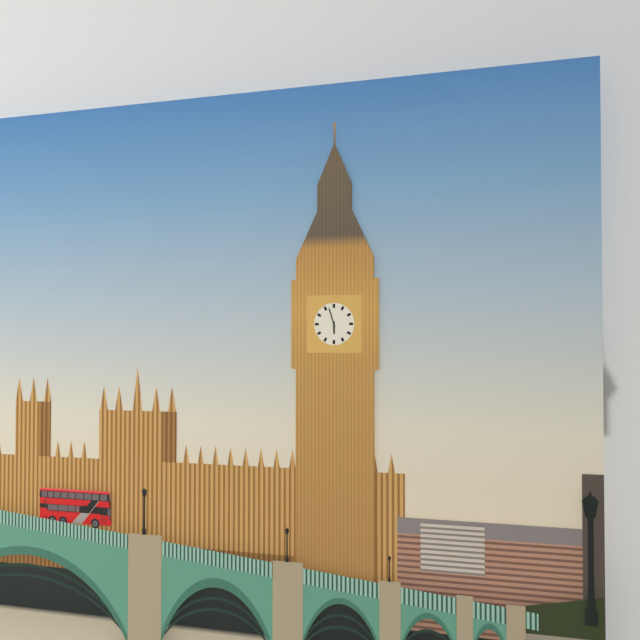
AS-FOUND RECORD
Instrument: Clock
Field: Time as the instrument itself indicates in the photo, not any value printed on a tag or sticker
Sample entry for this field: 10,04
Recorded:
5,57
